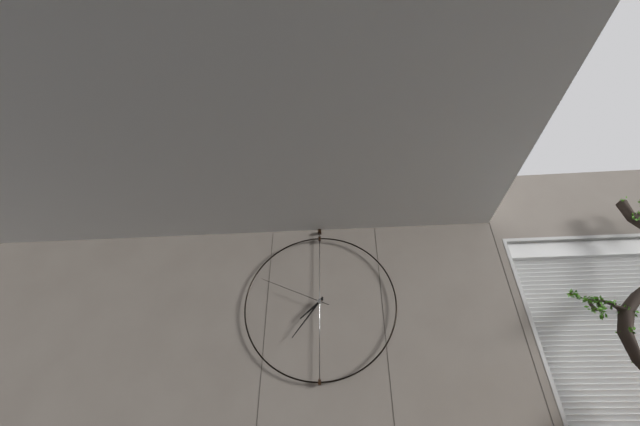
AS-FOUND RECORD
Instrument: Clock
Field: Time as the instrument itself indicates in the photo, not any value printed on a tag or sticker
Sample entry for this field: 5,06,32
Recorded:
7,36,49
